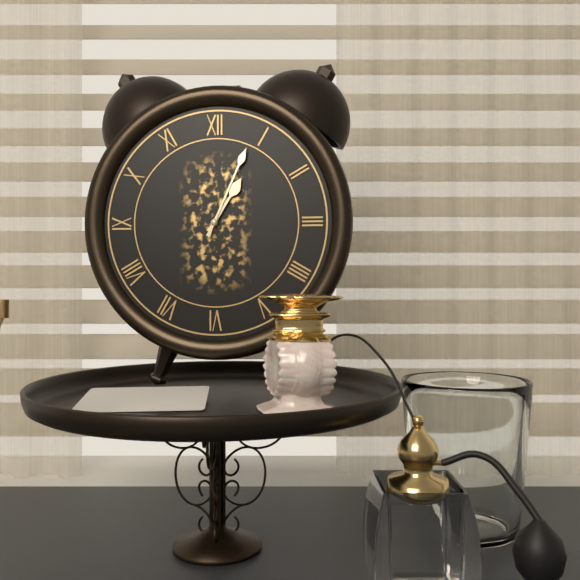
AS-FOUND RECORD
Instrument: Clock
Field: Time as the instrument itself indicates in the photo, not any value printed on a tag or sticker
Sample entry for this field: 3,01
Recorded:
1,04
